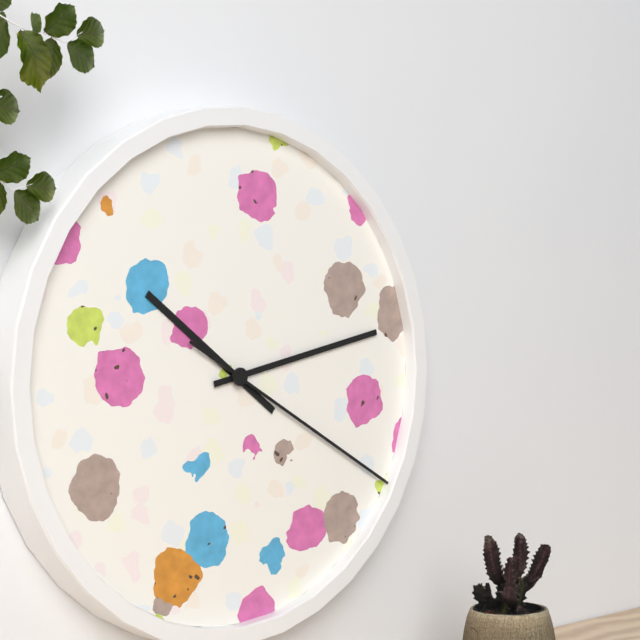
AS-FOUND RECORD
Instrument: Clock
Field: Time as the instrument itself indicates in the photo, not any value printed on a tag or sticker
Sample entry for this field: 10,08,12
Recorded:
10,13,20
